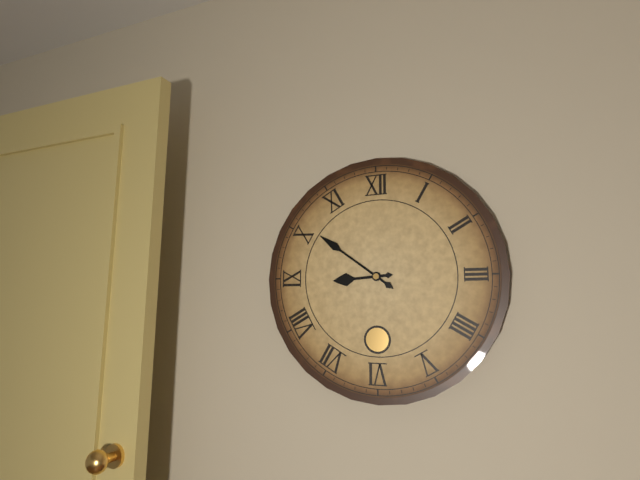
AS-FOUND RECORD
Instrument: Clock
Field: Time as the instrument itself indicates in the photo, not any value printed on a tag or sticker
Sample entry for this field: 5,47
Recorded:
8,51
